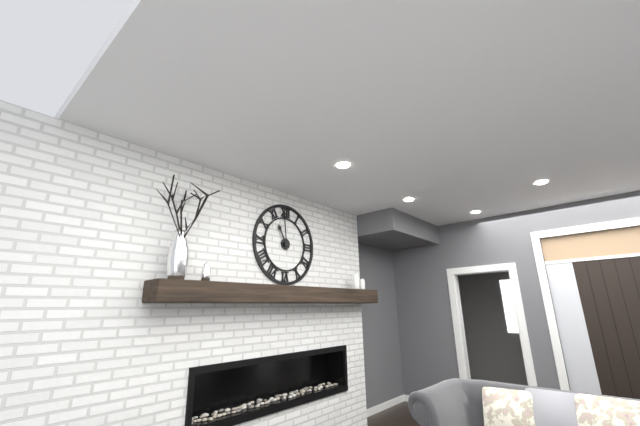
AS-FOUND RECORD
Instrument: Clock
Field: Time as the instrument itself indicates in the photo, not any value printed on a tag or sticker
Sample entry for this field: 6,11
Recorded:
10,59
